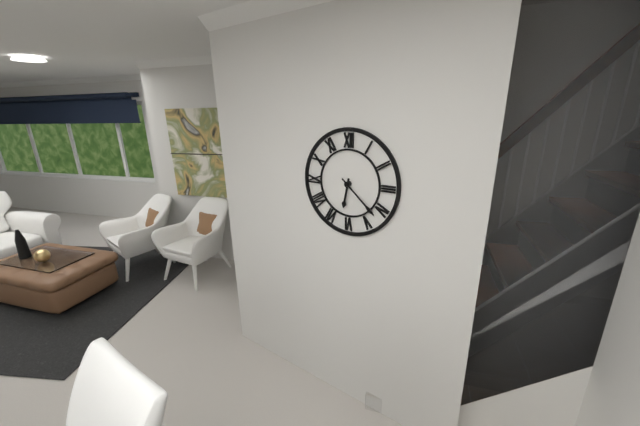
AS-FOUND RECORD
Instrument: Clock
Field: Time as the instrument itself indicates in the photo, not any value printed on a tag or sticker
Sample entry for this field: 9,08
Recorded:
6,22
